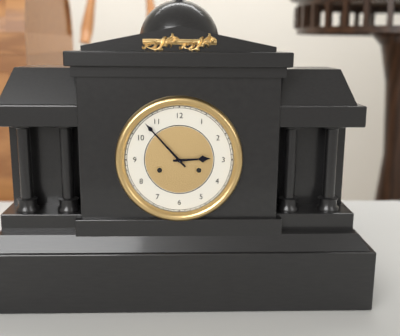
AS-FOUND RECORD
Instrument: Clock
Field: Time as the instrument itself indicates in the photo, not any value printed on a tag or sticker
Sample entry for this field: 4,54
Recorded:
2,53
